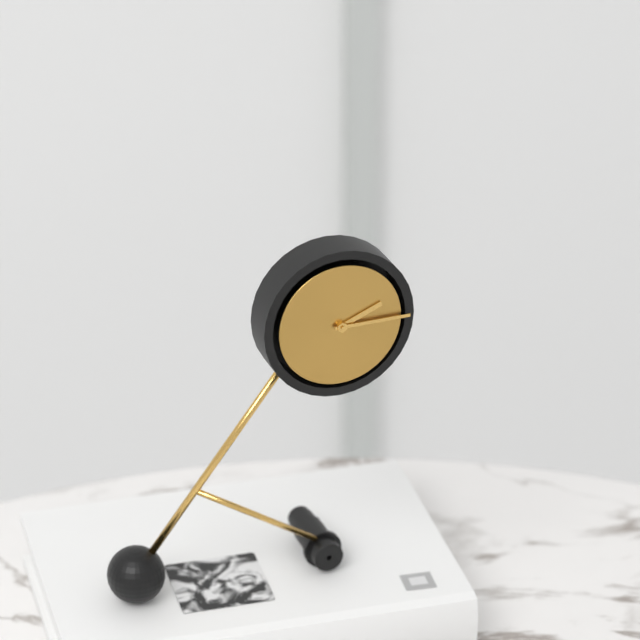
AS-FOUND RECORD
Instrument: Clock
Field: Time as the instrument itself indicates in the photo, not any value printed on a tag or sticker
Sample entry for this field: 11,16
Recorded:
2,15
